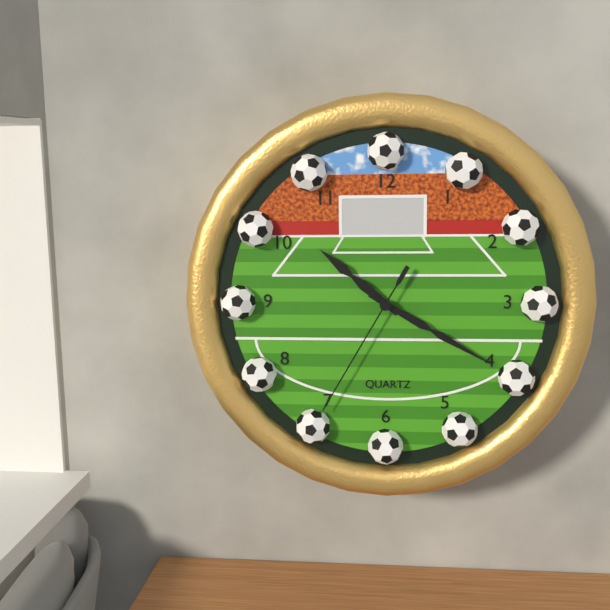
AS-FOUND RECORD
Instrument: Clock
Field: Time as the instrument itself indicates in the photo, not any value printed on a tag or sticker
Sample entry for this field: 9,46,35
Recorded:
10,20,35
